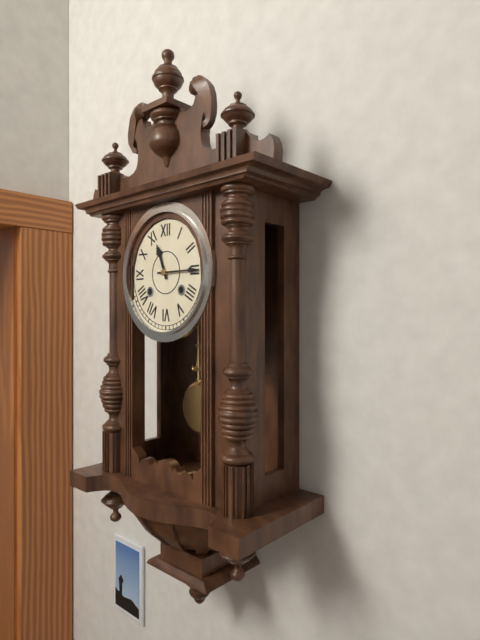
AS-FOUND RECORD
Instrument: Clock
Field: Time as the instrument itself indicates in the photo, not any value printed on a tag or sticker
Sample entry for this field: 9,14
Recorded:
11,15
